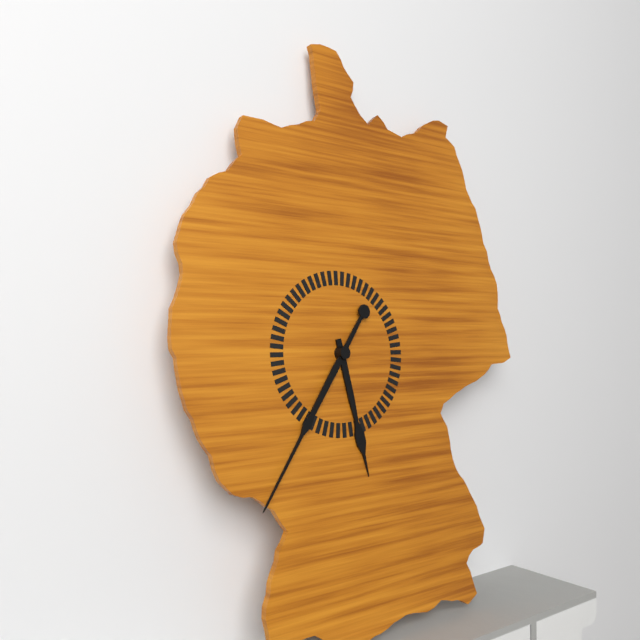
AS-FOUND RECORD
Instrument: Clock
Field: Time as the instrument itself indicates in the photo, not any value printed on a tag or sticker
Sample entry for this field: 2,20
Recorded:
5,36
